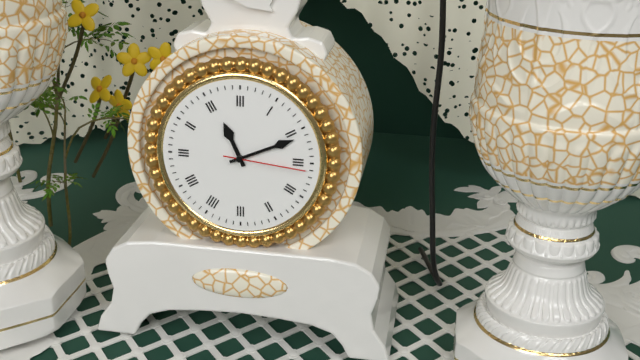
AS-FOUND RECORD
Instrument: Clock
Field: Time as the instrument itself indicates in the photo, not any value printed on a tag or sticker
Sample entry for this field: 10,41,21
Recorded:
11,11,16
